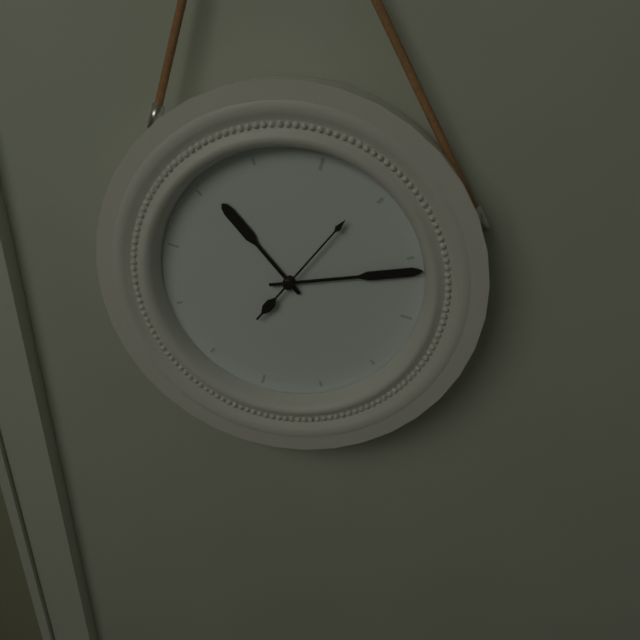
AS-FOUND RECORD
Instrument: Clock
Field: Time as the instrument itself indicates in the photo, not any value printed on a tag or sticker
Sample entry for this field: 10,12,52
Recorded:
10,11,04
